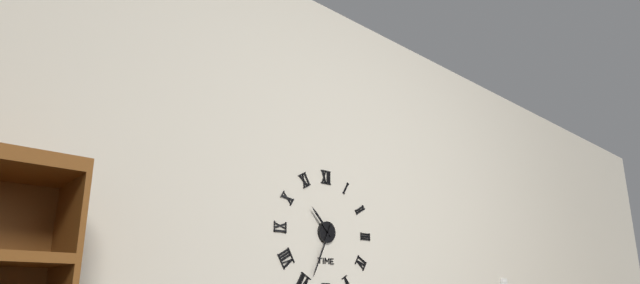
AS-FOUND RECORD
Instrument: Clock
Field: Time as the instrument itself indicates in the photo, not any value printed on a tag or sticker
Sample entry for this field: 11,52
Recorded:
10,34
